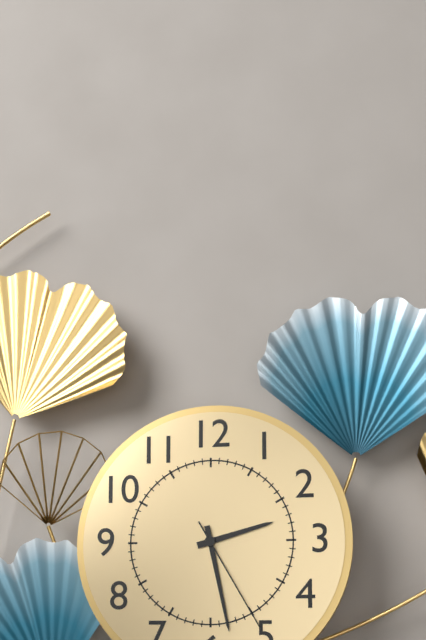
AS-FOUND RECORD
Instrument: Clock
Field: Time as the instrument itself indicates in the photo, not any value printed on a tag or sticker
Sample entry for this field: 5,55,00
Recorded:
2,28,25
